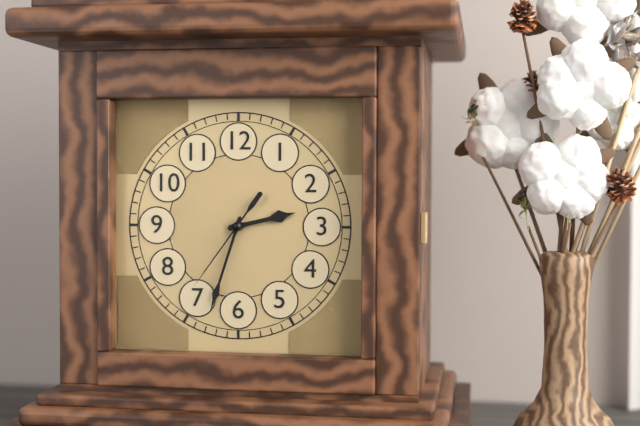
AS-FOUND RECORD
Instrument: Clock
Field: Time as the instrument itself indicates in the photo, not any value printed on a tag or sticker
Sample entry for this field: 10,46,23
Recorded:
2,33,36
